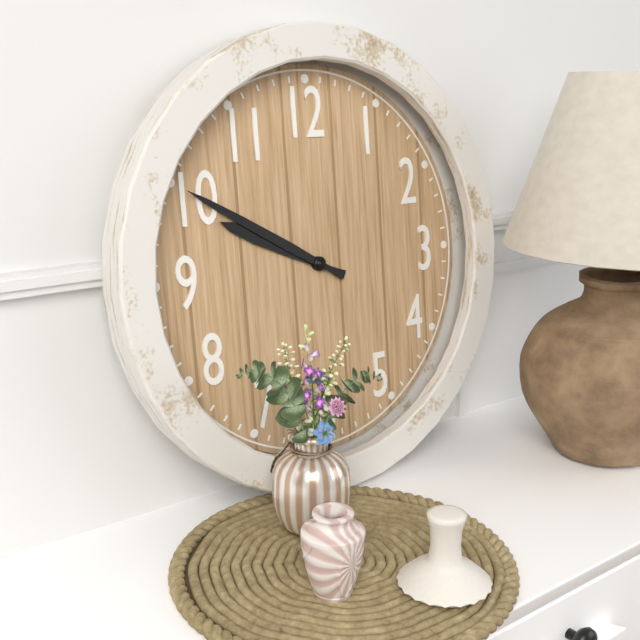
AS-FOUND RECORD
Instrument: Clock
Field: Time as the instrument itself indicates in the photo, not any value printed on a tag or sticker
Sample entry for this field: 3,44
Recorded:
9,50
